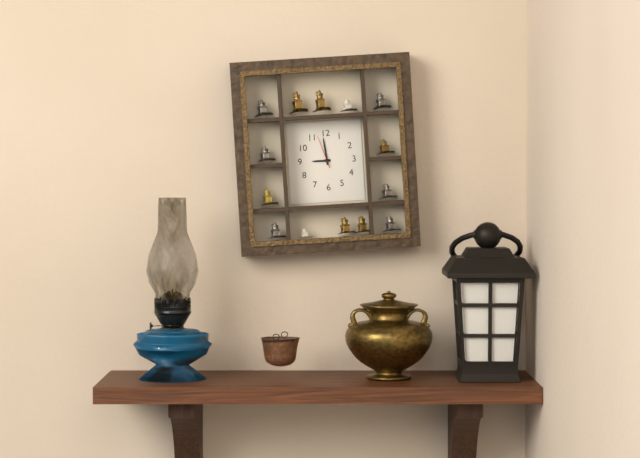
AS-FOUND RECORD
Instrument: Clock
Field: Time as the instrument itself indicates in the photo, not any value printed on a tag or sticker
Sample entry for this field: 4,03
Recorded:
8,59
